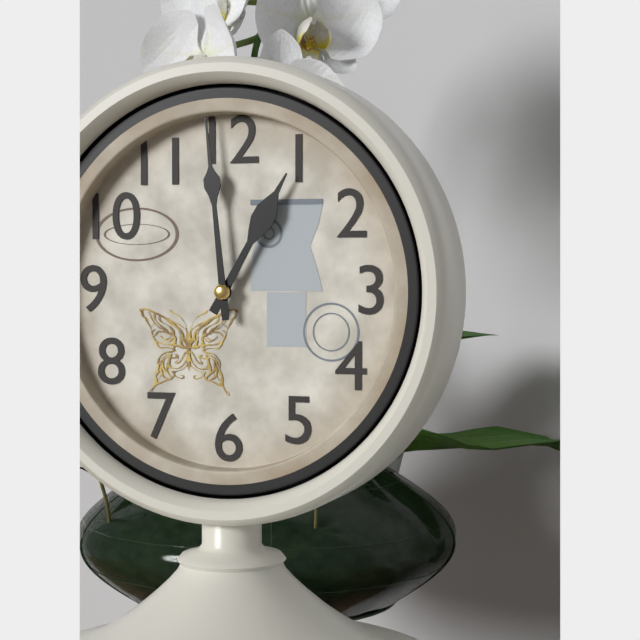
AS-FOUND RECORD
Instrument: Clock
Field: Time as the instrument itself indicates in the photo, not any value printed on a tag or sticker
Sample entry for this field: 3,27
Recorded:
12,59
